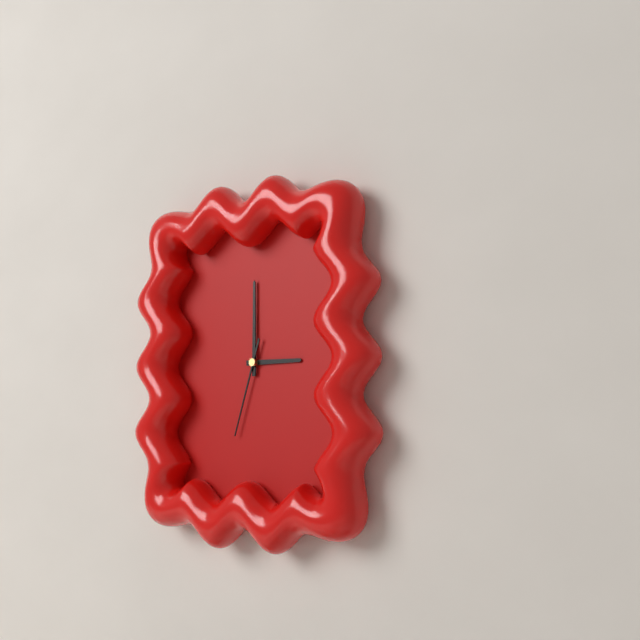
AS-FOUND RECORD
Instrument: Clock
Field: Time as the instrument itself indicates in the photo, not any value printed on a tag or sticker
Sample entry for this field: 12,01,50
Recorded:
3,00,33
